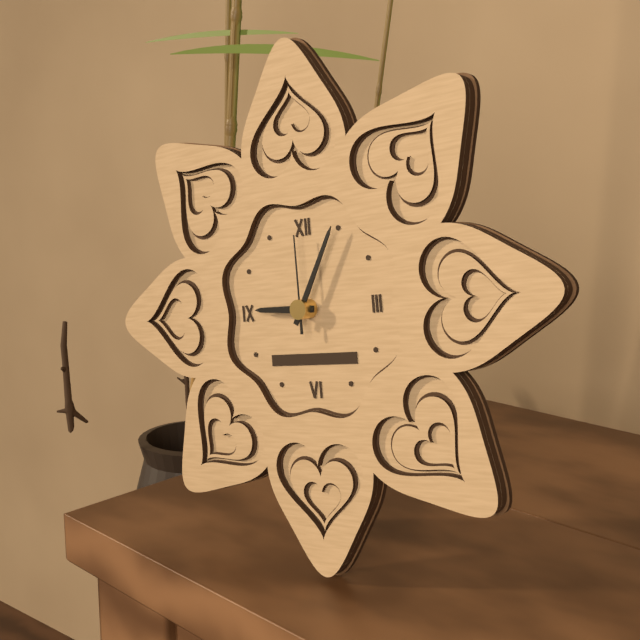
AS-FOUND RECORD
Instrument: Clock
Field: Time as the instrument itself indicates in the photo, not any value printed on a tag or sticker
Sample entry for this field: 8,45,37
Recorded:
9,05,00
